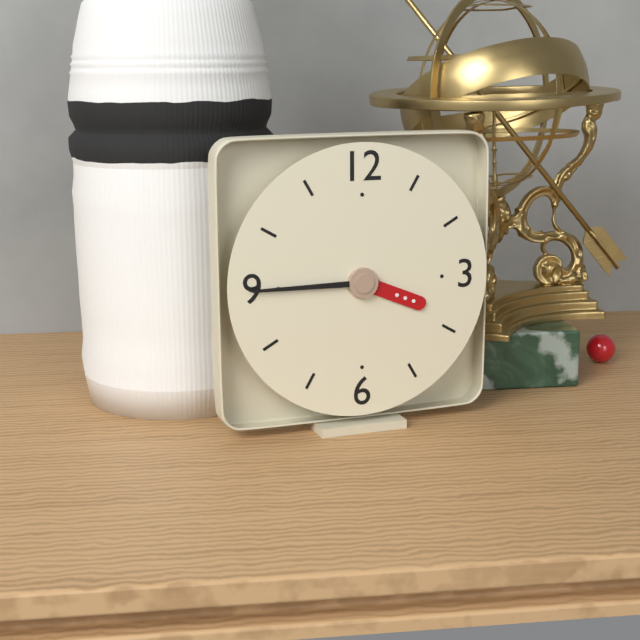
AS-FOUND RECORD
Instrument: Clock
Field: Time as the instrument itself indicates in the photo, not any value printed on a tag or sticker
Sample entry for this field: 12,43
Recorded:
3,45
